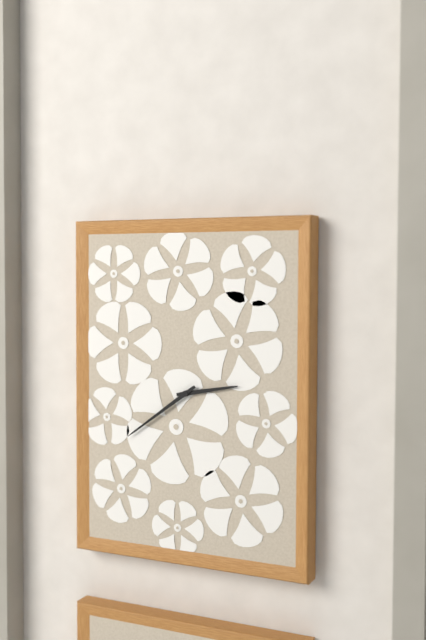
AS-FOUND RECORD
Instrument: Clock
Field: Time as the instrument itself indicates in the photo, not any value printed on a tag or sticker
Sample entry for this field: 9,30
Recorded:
2,39
